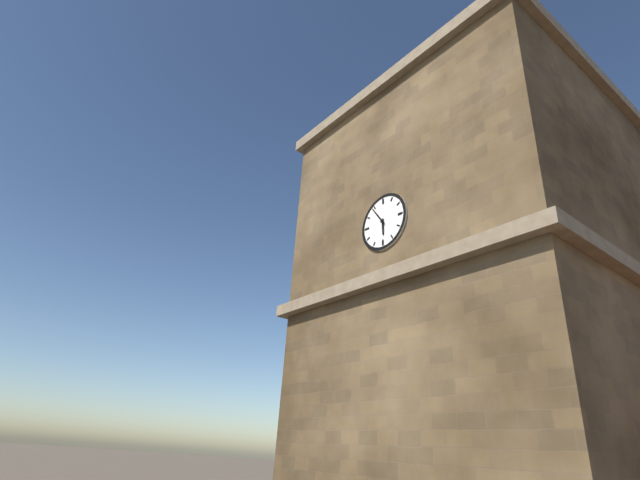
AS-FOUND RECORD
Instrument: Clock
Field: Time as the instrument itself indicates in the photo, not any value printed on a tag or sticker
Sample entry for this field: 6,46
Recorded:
5,54
